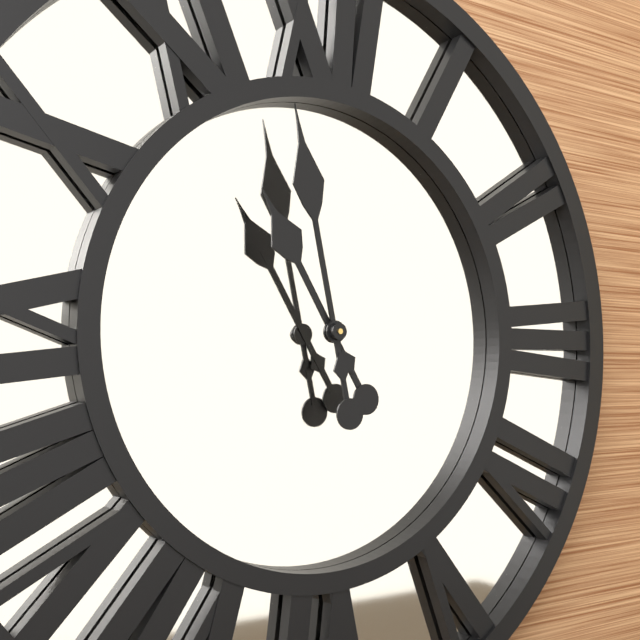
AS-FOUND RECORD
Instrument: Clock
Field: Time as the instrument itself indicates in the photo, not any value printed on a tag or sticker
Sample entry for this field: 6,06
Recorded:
10,58
